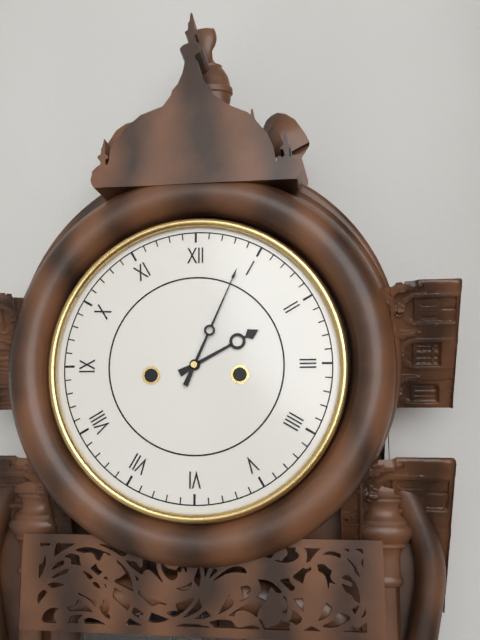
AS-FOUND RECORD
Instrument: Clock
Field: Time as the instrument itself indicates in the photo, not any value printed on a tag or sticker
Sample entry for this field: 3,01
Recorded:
2,04
